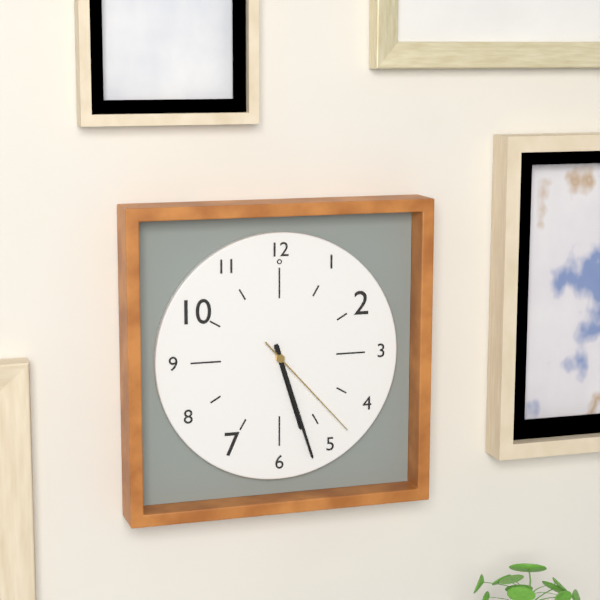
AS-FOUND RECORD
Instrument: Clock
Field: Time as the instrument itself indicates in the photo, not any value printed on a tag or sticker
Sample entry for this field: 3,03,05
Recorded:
5,27,23
